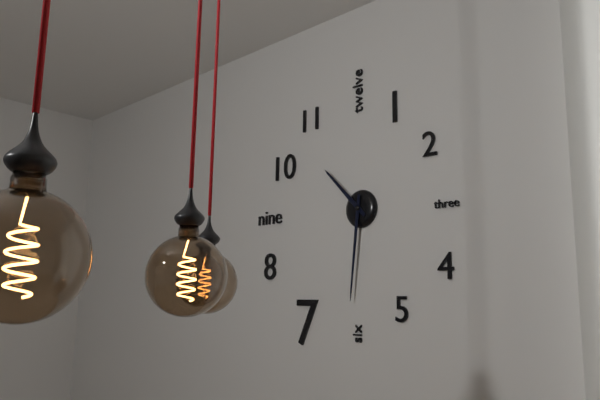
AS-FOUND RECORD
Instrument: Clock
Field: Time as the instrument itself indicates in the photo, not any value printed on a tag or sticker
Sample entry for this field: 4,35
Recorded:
10,31
